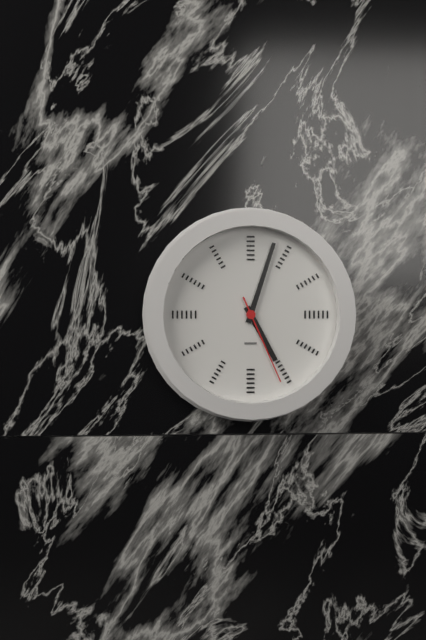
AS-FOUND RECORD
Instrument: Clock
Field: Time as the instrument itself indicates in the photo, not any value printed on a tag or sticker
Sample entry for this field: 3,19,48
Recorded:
5,03,26
